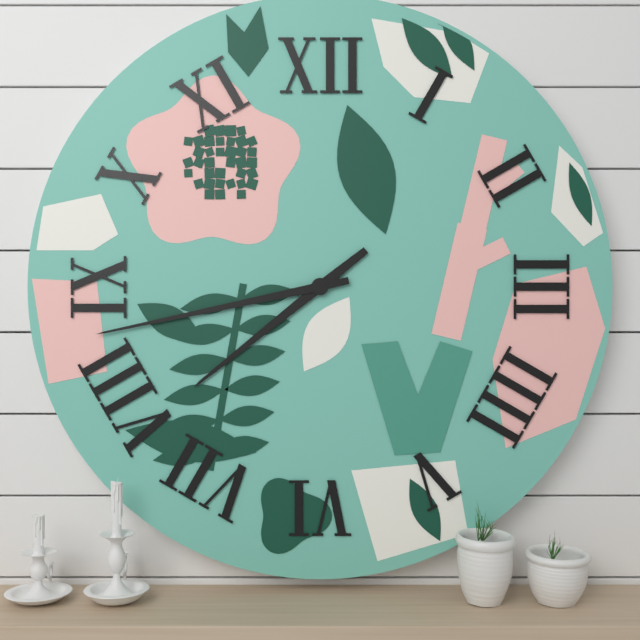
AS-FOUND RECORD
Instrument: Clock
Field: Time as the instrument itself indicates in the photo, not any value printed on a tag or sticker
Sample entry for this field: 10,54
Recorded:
7,43
